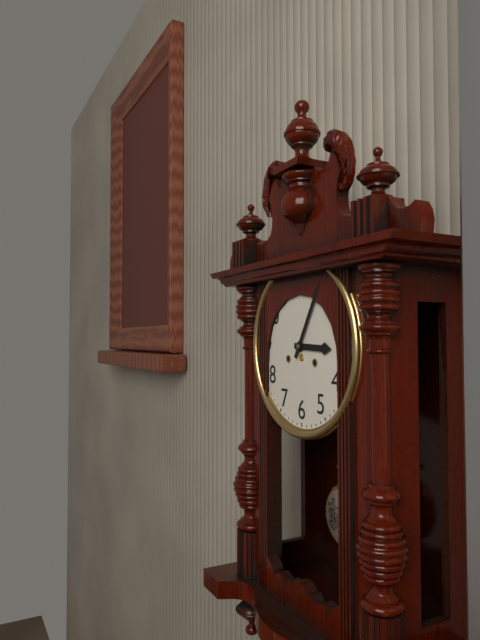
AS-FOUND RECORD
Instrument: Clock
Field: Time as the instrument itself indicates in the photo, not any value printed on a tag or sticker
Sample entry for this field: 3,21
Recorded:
3,05
